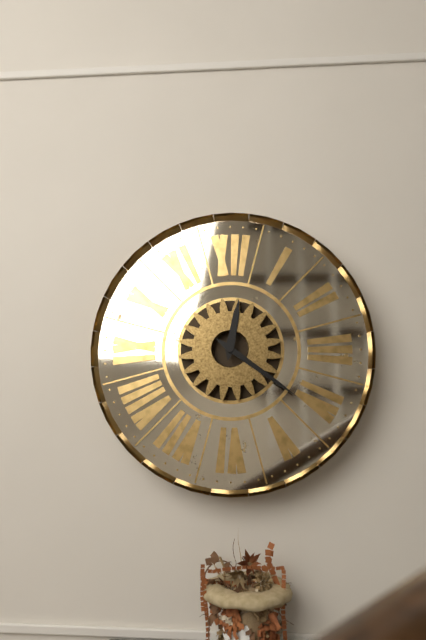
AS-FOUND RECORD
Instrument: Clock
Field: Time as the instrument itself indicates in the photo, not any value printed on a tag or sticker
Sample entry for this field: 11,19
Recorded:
12,21
